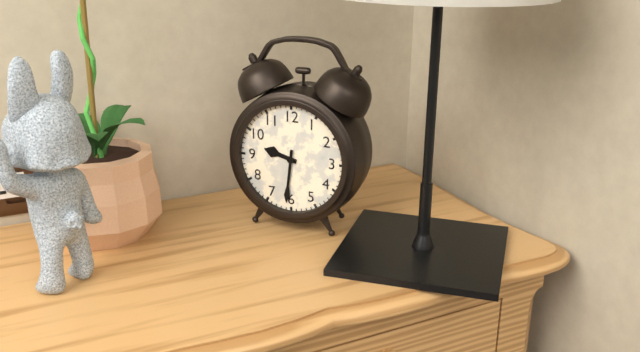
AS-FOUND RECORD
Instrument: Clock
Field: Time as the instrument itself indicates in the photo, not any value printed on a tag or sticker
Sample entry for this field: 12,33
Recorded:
9,31
